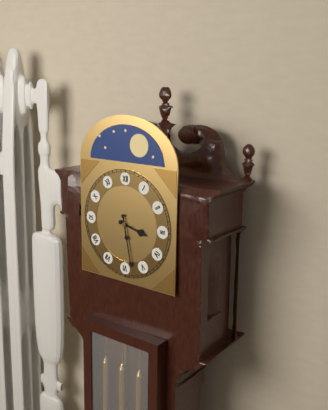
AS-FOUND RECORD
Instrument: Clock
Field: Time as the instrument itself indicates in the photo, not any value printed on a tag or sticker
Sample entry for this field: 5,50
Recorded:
3,28
